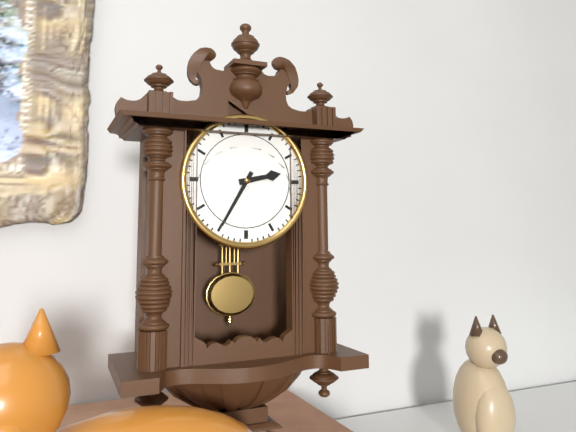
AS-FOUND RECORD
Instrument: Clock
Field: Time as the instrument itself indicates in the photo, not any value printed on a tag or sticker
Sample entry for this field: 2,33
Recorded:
2,35
